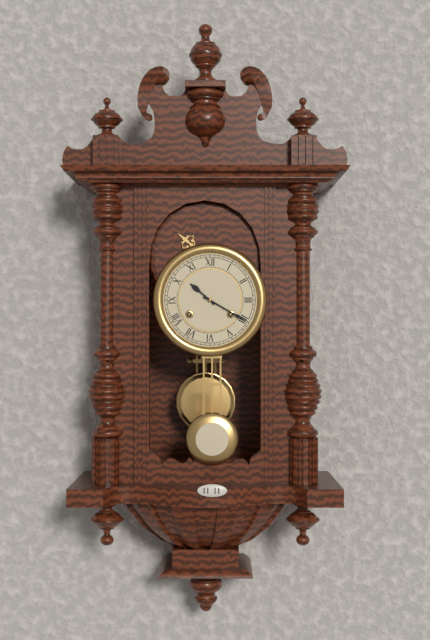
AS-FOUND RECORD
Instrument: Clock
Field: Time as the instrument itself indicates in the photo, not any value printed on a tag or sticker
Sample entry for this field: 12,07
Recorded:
10,20
